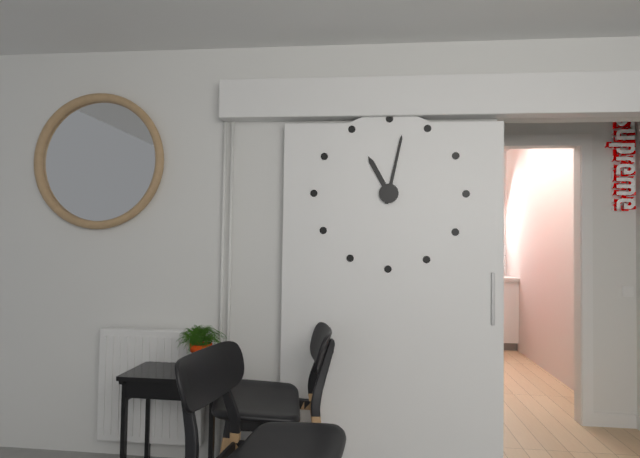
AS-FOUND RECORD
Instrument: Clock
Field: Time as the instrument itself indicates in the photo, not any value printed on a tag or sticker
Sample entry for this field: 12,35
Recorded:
11,02
